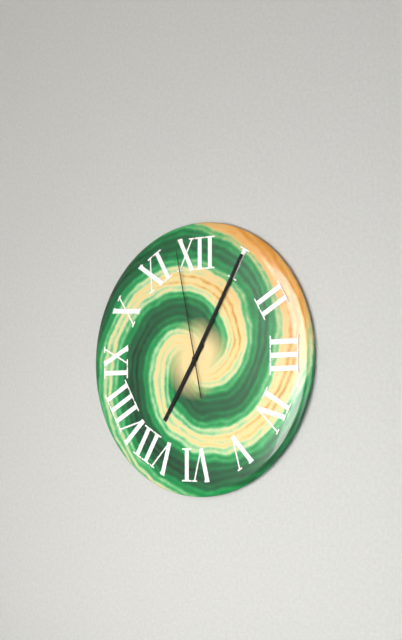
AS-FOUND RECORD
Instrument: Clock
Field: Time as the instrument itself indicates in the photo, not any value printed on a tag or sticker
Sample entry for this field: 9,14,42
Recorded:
7,05,58
